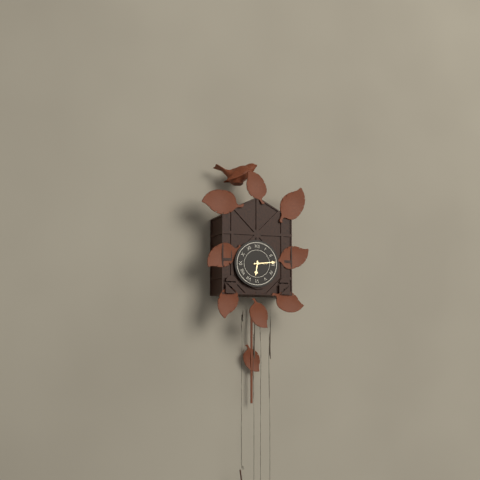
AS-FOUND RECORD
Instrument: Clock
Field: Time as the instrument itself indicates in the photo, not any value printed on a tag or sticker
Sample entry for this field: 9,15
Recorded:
6,14
